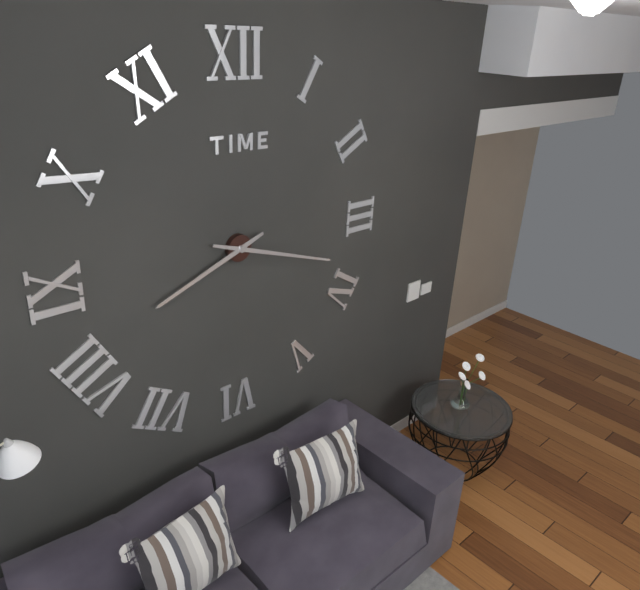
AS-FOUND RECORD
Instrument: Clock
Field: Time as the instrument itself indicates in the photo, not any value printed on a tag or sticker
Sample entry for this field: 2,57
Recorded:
8,18
